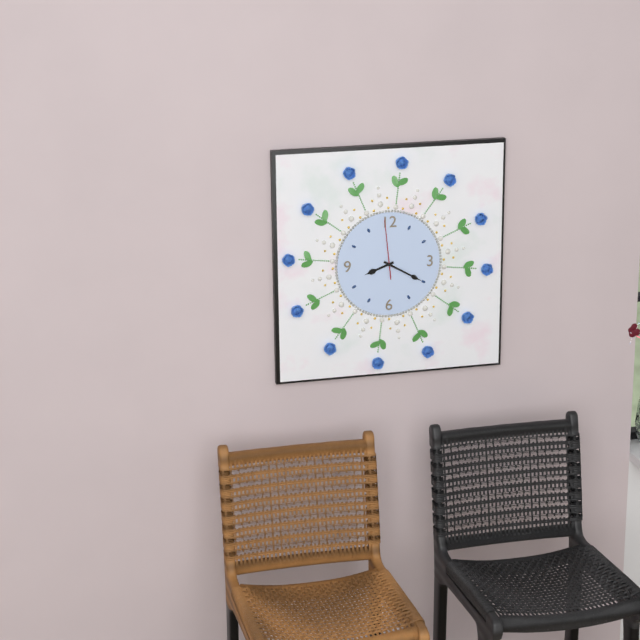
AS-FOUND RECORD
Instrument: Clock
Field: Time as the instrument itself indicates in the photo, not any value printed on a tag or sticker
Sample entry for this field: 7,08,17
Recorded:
8,20,59
